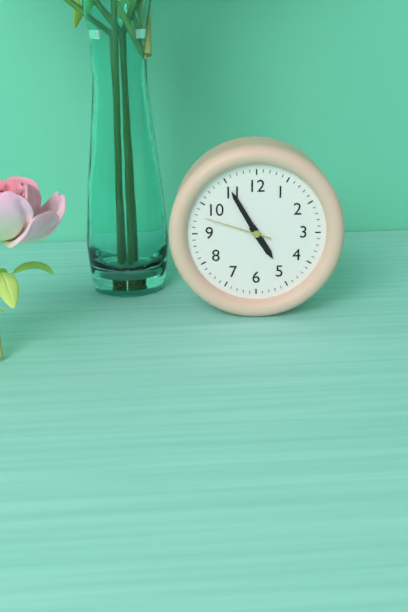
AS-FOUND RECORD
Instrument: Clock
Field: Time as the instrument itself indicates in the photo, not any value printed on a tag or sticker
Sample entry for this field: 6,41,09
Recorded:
4,55,48
